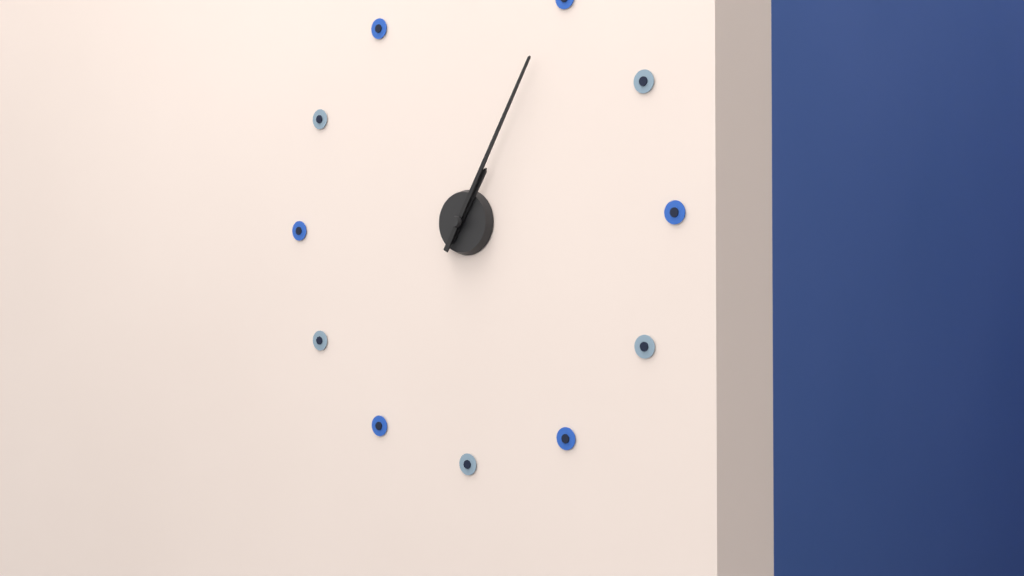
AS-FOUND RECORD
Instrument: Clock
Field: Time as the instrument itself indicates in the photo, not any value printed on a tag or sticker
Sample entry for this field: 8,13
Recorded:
1,05
